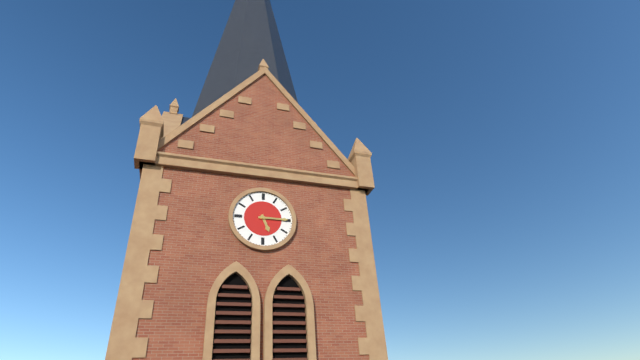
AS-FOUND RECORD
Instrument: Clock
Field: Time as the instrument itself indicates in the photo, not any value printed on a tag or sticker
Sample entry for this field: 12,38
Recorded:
5,15
